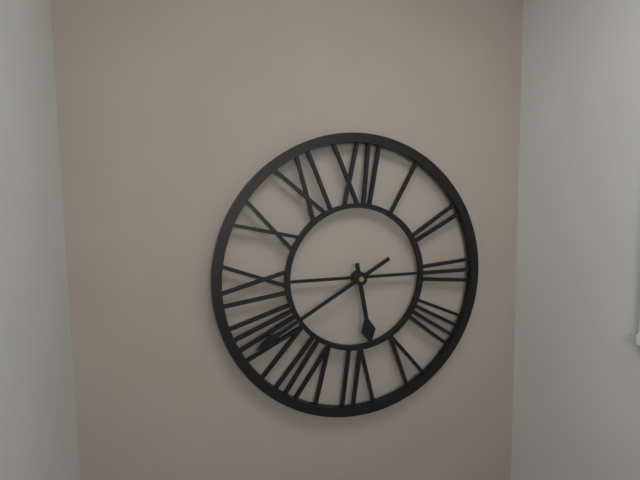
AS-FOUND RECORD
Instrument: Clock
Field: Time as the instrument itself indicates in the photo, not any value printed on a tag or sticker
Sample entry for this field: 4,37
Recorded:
5,40
